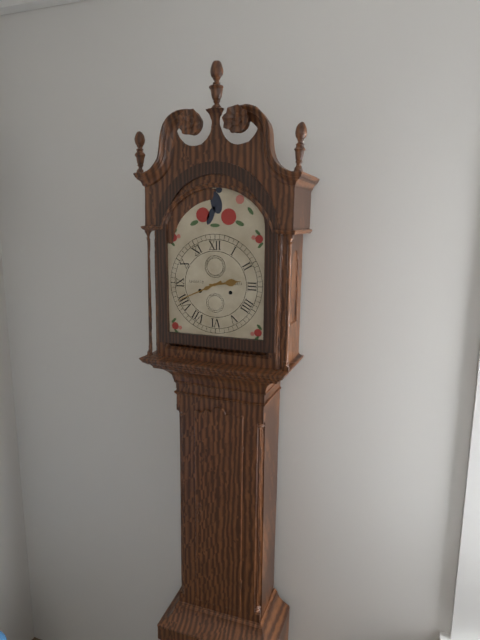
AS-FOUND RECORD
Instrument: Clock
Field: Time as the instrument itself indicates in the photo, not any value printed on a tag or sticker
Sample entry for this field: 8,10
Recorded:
2,41
